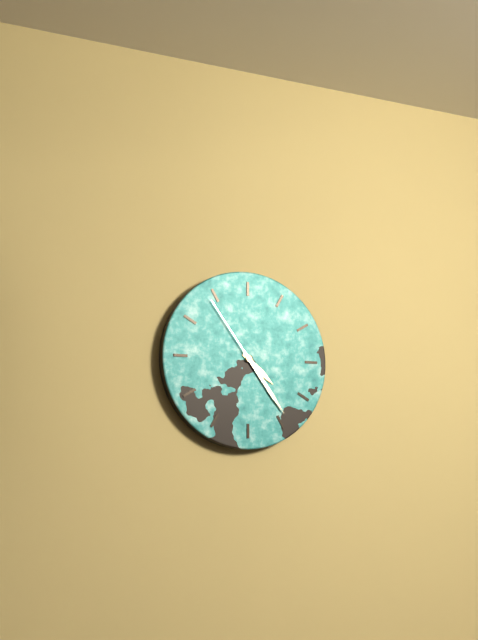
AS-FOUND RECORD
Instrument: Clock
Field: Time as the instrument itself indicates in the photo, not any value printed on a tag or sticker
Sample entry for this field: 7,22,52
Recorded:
4,24,54
